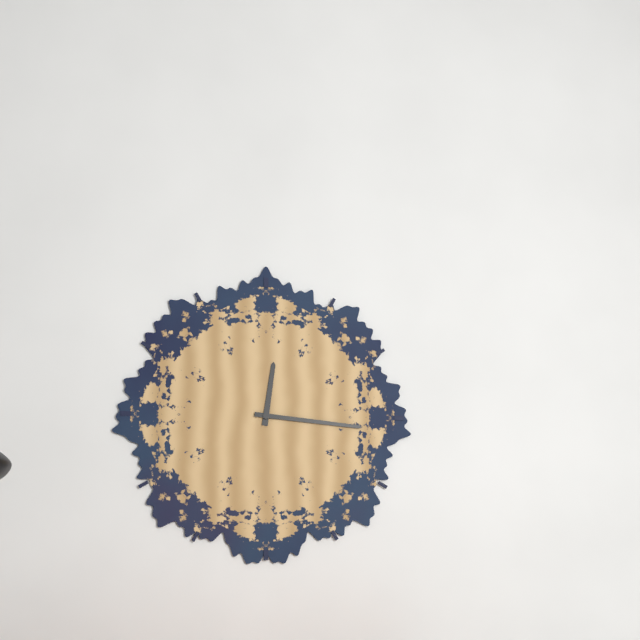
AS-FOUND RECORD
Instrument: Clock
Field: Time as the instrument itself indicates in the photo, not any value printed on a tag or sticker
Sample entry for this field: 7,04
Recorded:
12,16
